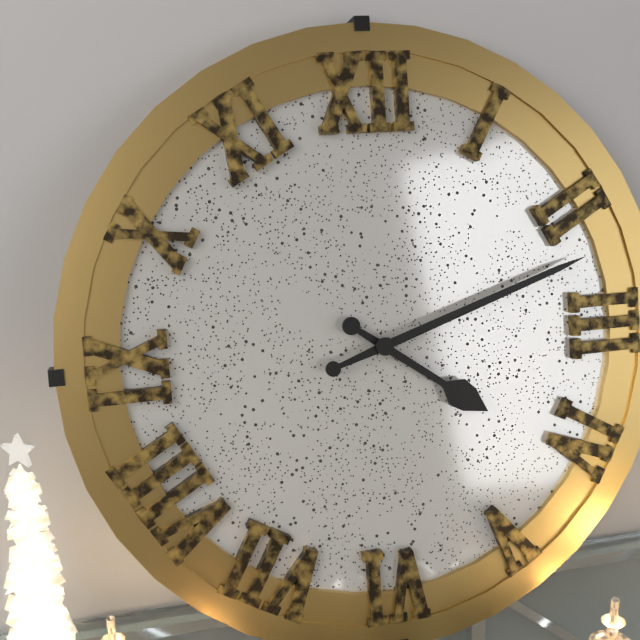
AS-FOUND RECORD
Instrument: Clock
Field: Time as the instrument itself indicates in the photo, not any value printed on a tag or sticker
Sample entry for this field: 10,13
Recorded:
4,12
